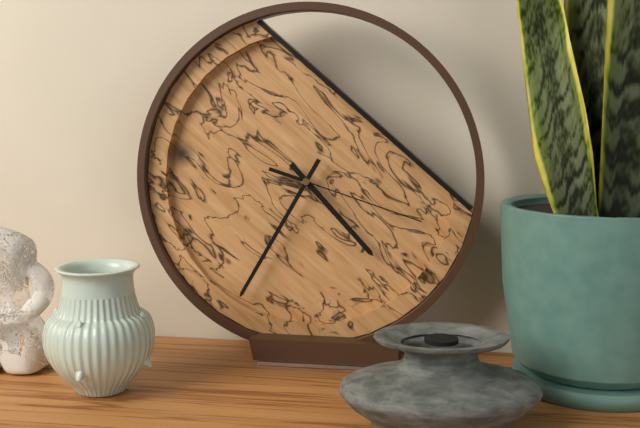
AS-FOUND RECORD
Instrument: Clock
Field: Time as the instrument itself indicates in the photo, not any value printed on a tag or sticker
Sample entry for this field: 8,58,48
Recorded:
4,35,18
